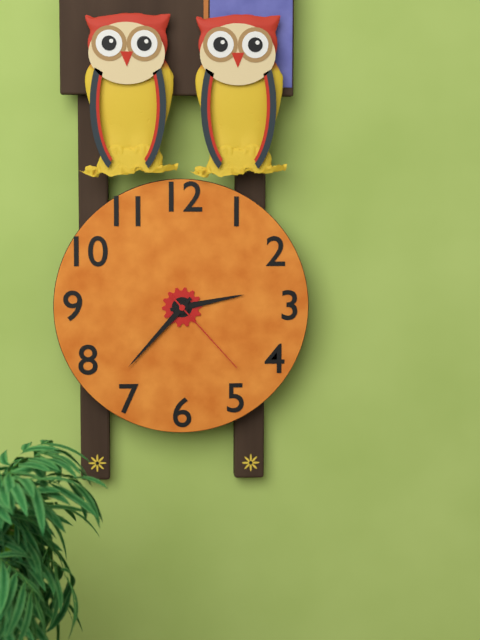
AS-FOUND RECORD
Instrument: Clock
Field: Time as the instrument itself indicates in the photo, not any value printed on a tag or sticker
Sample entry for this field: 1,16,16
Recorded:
2,37,23
